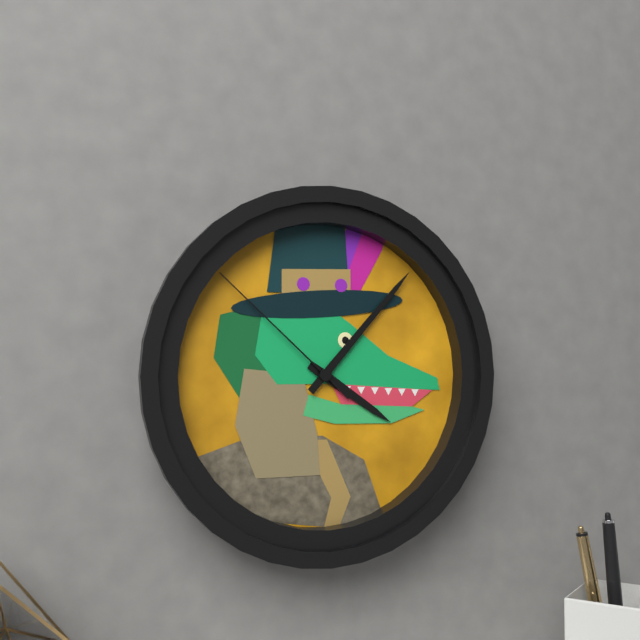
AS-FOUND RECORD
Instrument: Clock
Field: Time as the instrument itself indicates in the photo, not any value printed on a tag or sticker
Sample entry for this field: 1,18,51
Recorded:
4,07,52
